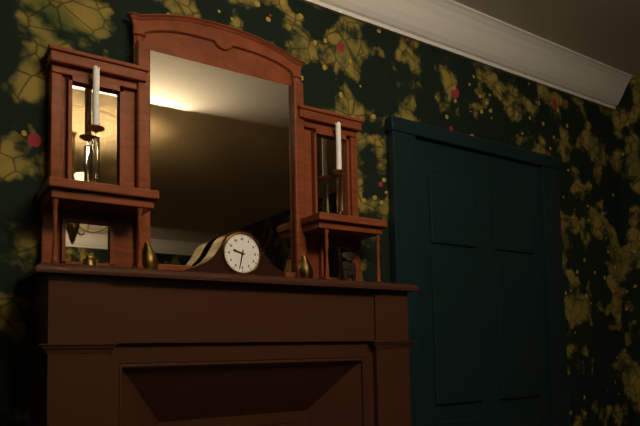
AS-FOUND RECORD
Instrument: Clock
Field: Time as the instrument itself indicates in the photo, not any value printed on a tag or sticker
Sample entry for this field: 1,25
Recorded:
9,32
